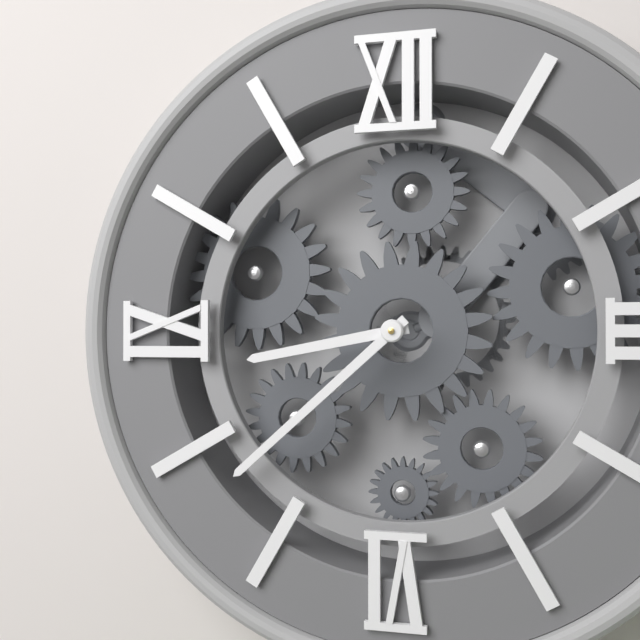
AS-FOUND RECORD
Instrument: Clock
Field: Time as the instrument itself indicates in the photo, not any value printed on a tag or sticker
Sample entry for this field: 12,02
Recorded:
8,38
